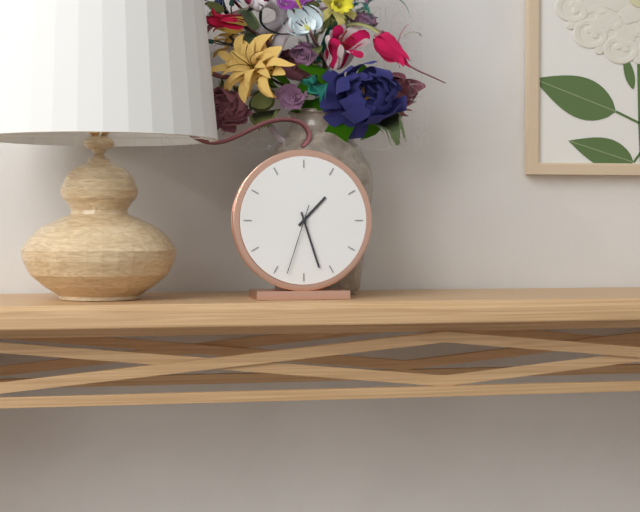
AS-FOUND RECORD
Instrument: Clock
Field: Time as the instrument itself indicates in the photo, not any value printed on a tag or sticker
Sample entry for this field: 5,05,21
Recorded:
1,27,33
